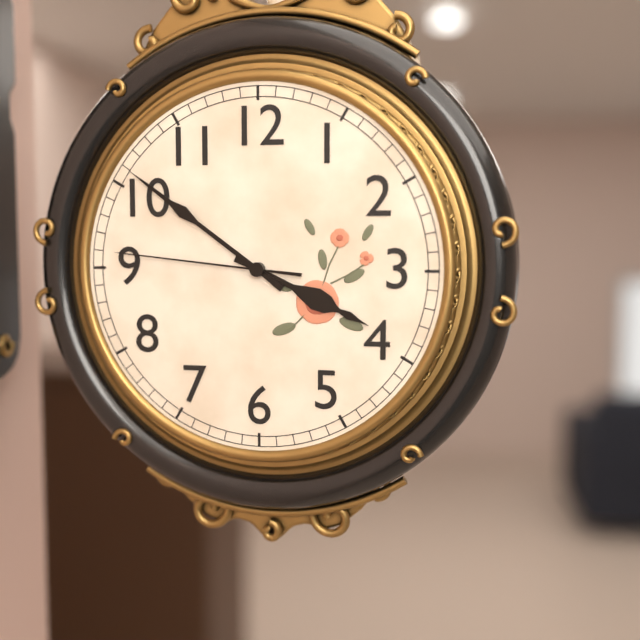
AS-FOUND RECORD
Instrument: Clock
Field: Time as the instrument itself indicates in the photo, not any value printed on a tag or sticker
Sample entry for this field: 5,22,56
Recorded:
3,51,46
